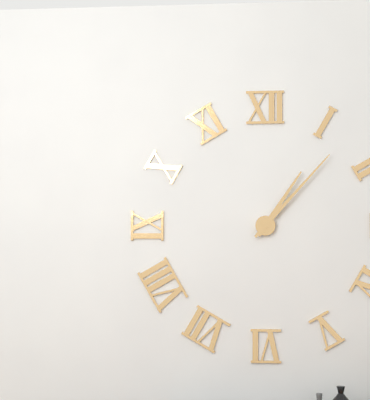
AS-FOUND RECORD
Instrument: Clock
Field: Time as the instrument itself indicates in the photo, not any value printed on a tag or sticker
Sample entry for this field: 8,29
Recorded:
1,07
